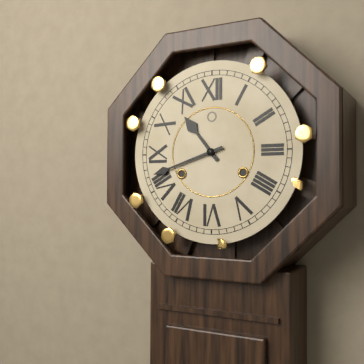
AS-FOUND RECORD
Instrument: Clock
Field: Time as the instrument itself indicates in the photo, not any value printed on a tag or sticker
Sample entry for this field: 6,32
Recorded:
10,42
